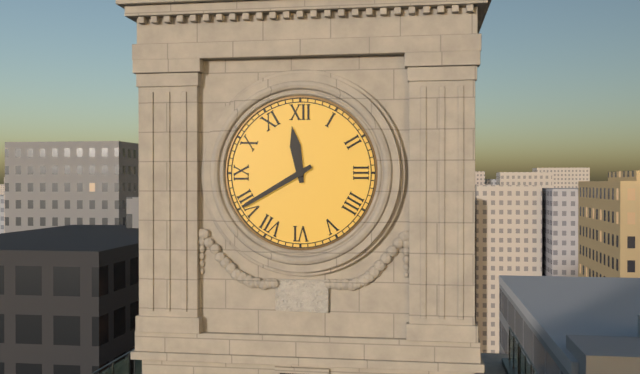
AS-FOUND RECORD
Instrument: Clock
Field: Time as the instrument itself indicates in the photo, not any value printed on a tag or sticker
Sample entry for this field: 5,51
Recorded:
11,40
